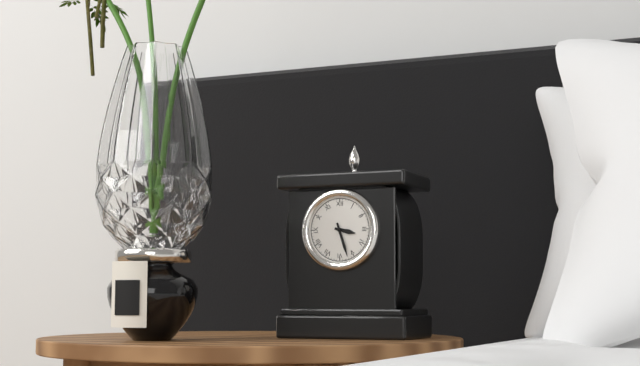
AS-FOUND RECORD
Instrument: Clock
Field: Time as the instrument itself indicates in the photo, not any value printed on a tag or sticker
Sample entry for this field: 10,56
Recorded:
3,27
